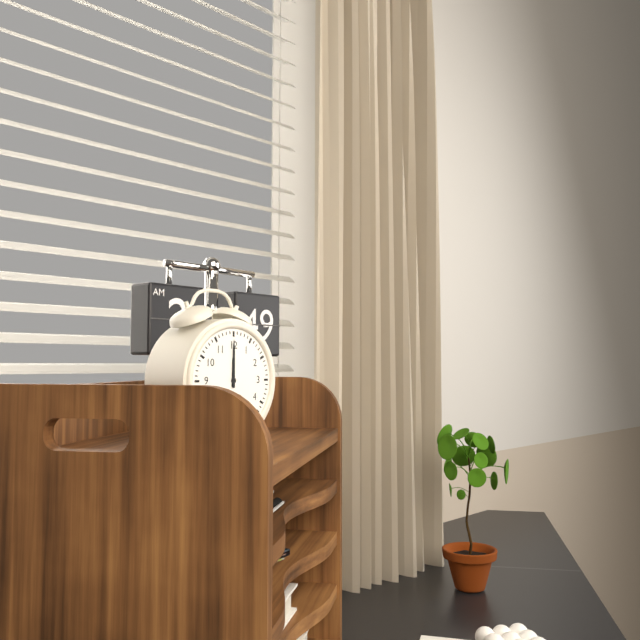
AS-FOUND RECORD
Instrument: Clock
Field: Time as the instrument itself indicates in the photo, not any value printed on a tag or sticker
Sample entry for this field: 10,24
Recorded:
12,00
